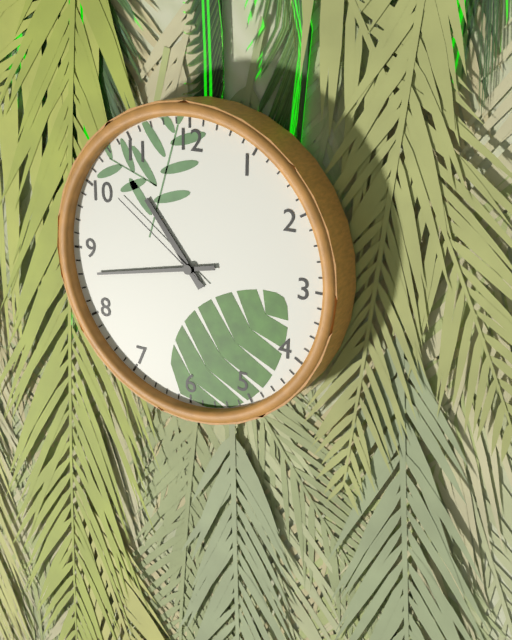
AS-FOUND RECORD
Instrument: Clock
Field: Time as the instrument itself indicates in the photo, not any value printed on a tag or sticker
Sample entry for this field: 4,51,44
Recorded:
10,43,51
